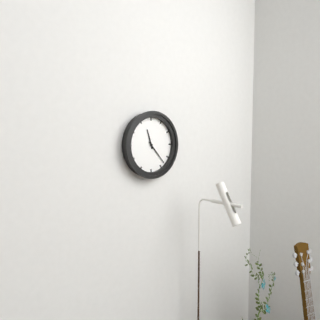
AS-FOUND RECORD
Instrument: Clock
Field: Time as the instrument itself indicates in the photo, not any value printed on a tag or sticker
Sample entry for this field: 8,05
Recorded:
11,23
